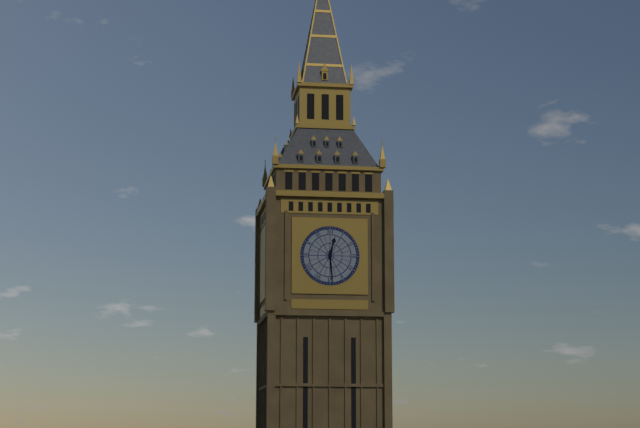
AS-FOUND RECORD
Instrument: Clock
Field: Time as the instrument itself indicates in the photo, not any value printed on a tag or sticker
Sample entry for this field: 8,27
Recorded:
12,29
